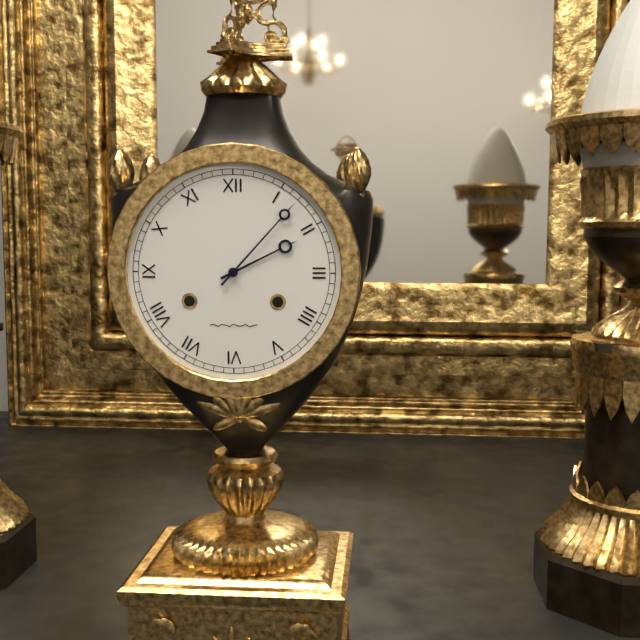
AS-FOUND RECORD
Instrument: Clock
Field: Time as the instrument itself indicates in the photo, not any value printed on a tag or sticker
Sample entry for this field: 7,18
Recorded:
2,07
